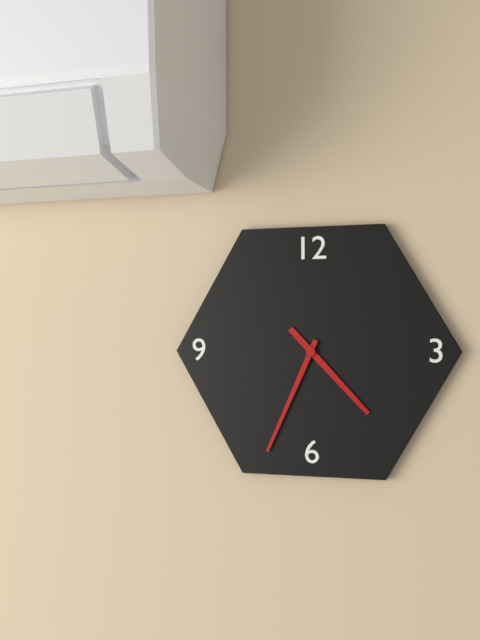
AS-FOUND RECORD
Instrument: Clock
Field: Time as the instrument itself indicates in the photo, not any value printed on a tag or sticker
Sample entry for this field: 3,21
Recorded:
4,34
